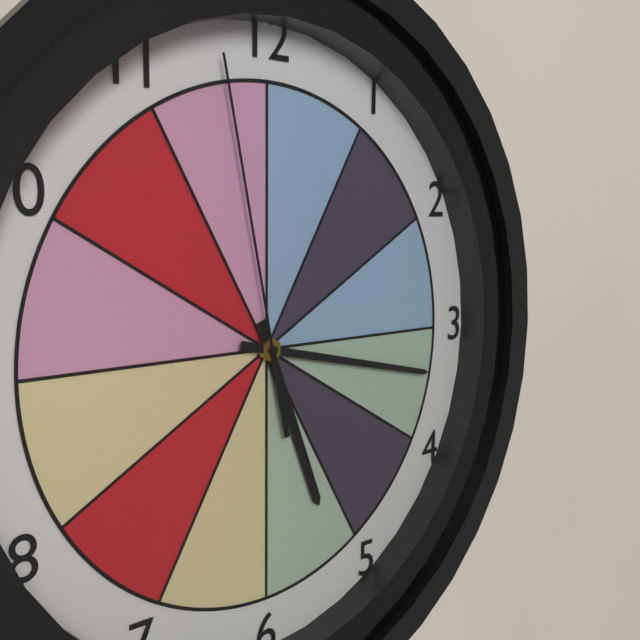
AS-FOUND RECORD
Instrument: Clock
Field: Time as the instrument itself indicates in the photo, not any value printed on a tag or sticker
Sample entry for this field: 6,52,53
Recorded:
5,17,58
